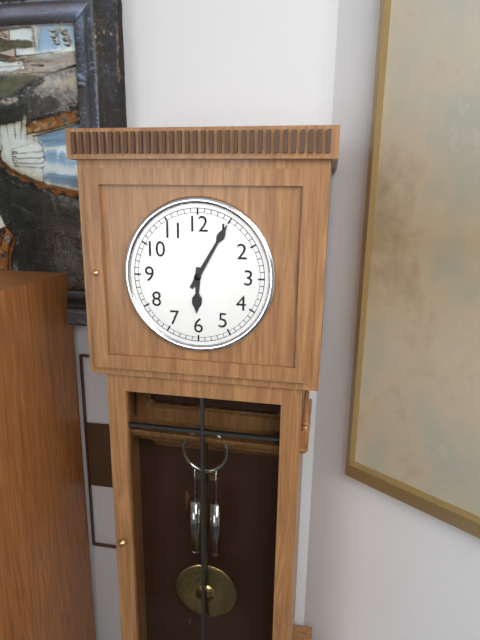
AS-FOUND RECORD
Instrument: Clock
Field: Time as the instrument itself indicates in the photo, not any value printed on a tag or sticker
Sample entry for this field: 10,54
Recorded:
6,05
